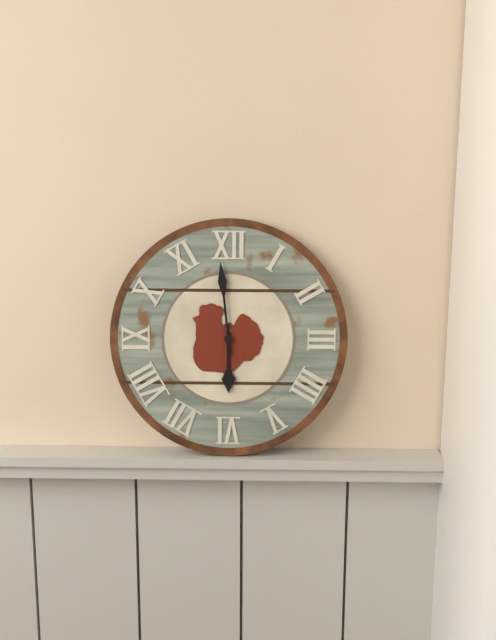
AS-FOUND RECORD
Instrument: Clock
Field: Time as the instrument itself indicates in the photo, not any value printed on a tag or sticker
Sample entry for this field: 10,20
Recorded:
5,59
